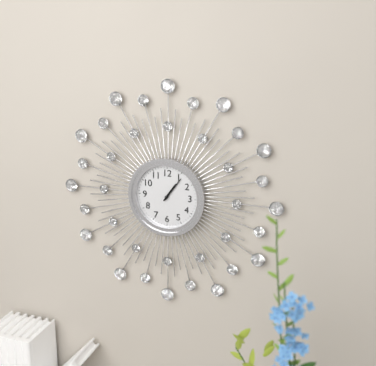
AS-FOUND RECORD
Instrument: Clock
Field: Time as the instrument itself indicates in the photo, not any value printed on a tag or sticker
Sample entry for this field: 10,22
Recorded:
1,06
